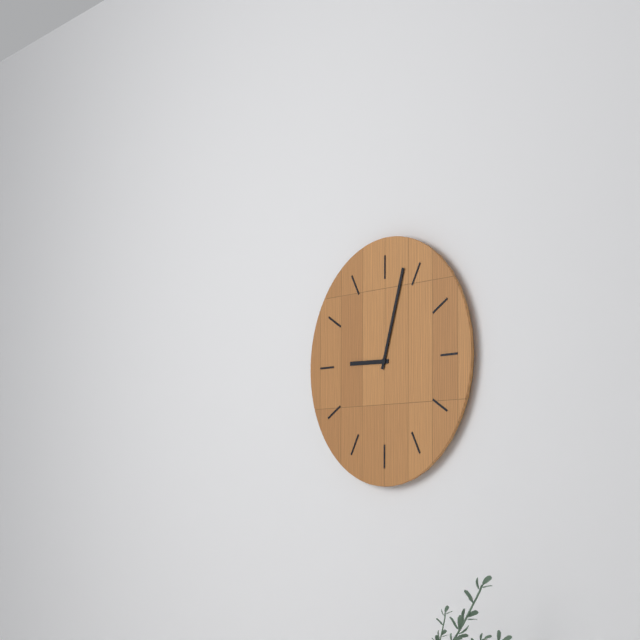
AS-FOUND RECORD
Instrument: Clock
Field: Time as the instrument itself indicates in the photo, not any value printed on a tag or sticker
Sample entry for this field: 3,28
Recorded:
9,03
